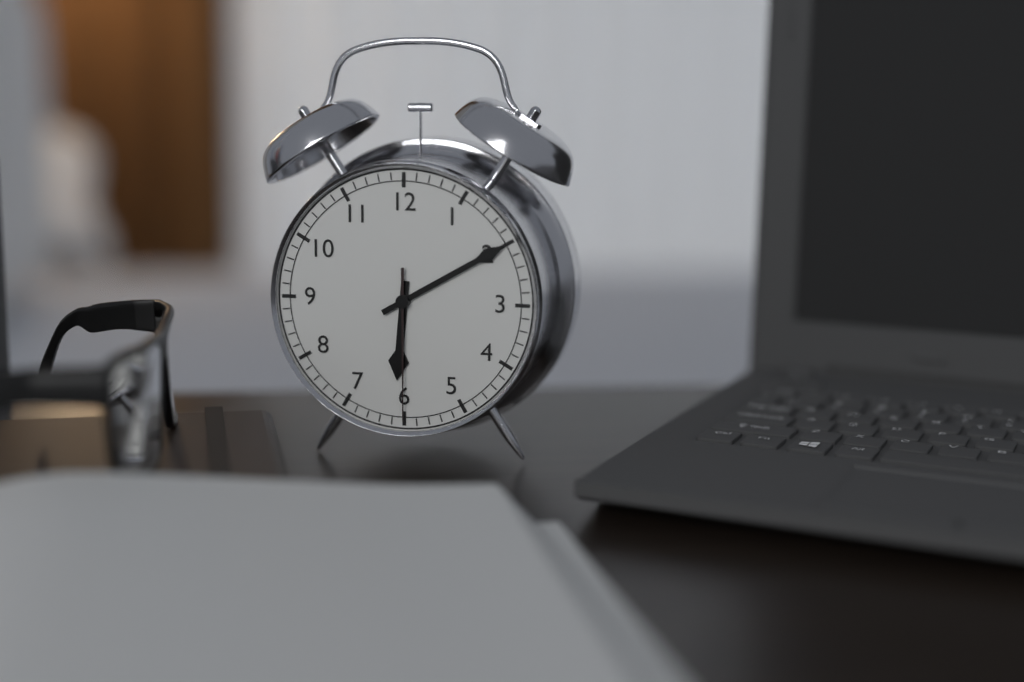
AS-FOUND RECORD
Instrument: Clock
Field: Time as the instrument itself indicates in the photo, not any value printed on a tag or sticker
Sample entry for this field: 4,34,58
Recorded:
6,10,30
